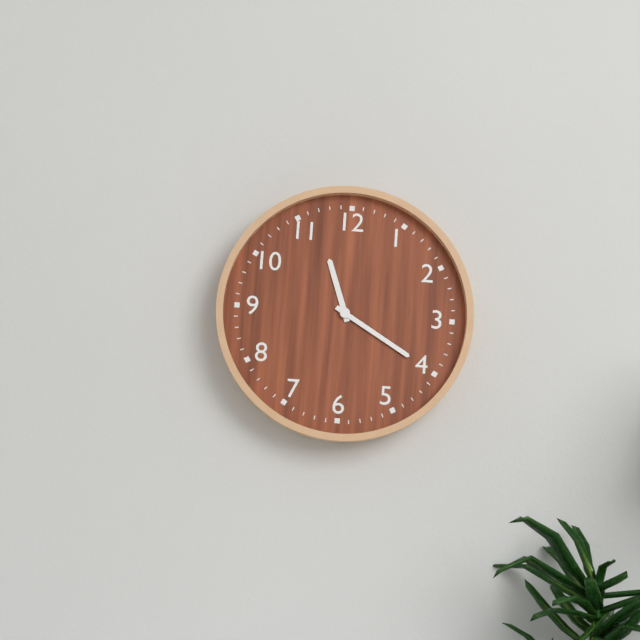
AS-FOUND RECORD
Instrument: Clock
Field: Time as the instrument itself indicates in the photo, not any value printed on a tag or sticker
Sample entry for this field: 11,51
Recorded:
11,20
